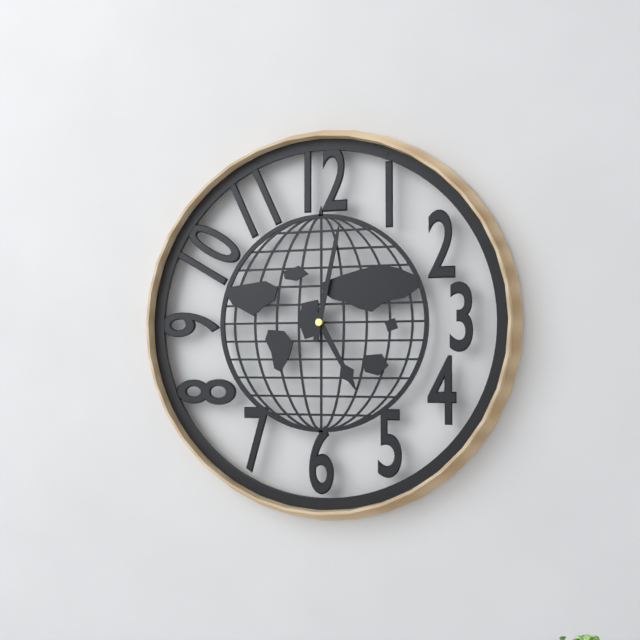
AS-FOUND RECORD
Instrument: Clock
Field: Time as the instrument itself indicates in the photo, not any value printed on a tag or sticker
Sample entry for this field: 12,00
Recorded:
5,02
